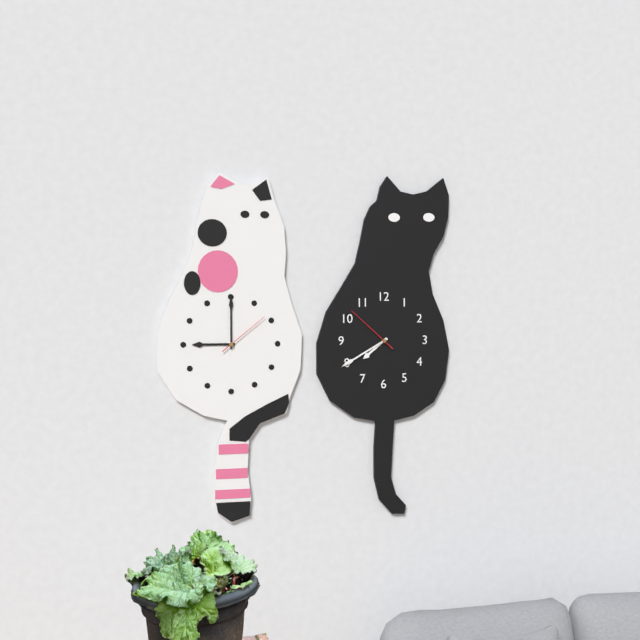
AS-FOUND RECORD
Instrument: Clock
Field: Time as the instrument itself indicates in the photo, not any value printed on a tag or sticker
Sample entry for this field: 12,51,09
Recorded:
7,40,52
